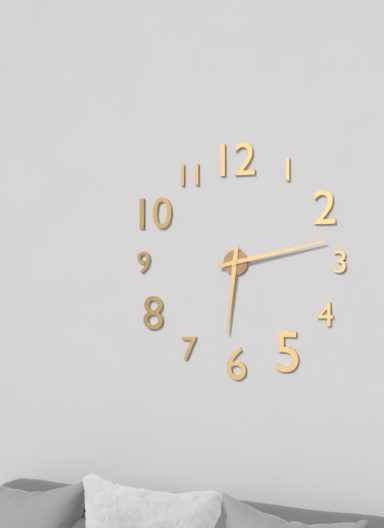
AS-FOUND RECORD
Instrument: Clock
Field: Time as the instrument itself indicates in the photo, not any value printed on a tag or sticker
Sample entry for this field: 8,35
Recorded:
6,13
